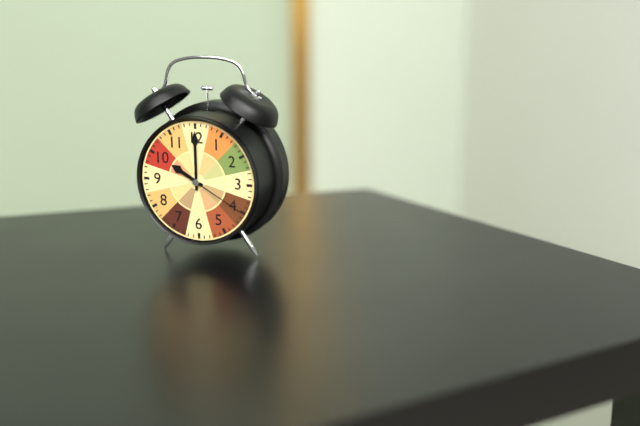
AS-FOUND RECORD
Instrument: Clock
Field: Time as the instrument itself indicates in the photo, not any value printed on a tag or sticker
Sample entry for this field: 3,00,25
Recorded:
10,00,20
